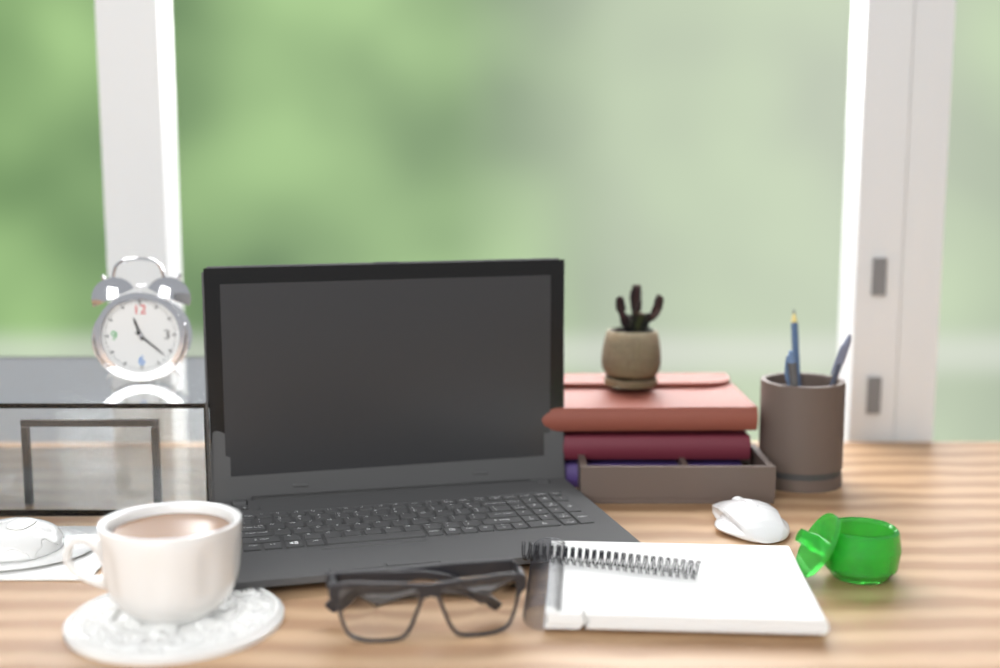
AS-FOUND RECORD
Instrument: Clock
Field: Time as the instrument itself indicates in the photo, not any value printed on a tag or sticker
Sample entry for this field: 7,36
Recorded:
11,22
